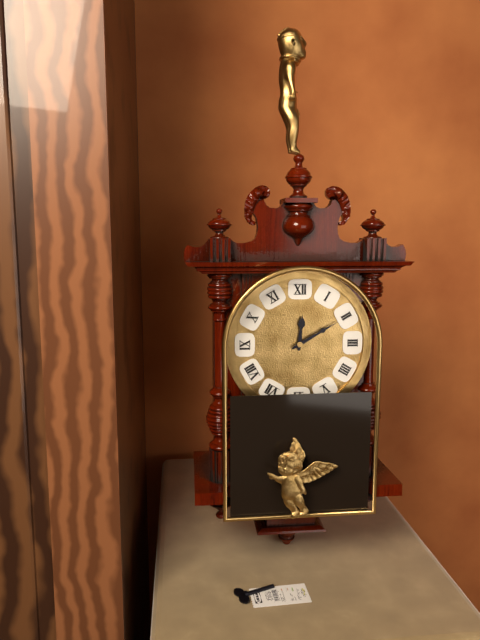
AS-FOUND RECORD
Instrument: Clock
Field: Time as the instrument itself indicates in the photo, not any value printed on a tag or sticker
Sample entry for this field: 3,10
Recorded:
12,10
